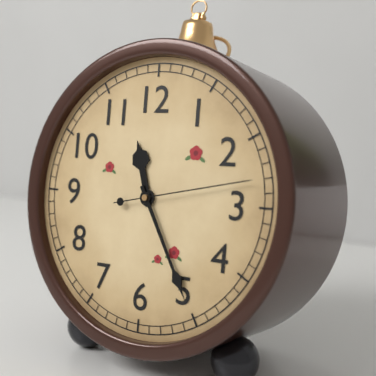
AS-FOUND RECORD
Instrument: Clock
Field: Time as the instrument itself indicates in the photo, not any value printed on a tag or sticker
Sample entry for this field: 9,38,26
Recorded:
11,25,13
